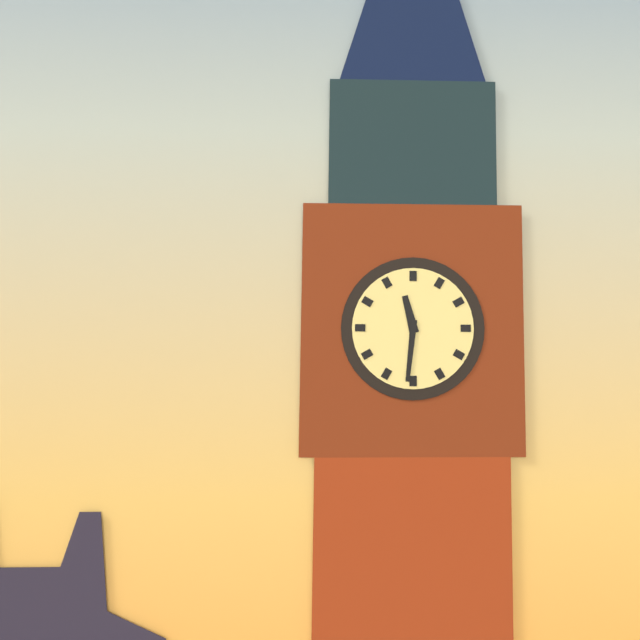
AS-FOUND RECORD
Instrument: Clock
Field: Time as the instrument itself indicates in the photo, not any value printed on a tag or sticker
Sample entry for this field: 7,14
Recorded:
11,31
